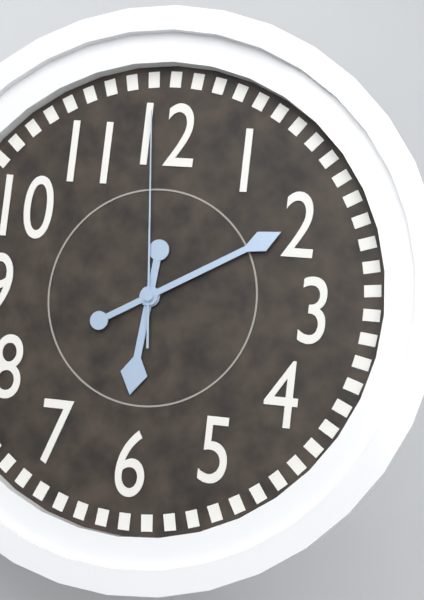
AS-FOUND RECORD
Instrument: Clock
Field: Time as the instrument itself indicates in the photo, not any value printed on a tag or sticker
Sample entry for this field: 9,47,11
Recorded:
6,10,59
